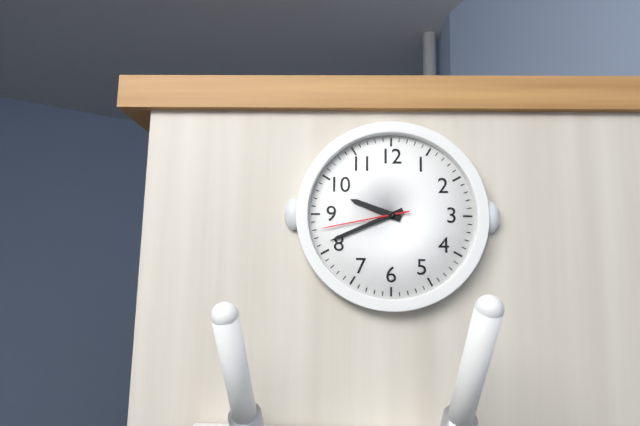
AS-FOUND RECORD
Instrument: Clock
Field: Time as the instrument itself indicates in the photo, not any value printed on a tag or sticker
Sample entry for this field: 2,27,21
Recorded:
9,41,43
